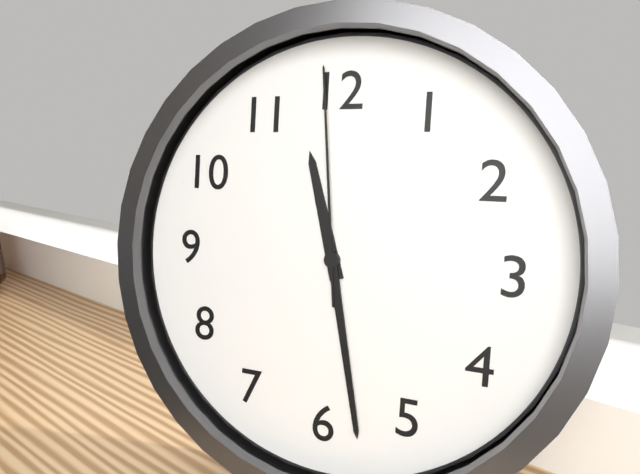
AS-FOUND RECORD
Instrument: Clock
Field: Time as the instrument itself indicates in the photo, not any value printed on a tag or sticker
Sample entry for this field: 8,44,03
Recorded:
11,28,59
